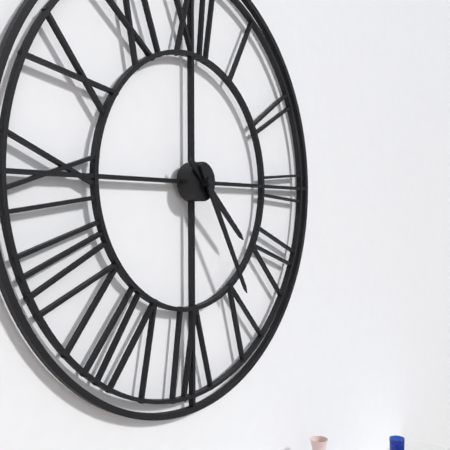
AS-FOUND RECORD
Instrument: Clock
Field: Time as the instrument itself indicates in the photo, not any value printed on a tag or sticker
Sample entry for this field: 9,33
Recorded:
4,25
